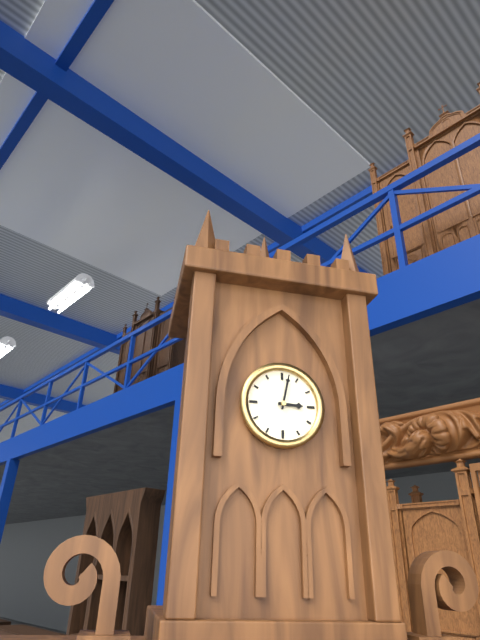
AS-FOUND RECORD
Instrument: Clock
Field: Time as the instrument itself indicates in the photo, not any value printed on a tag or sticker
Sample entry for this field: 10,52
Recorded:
3,02
